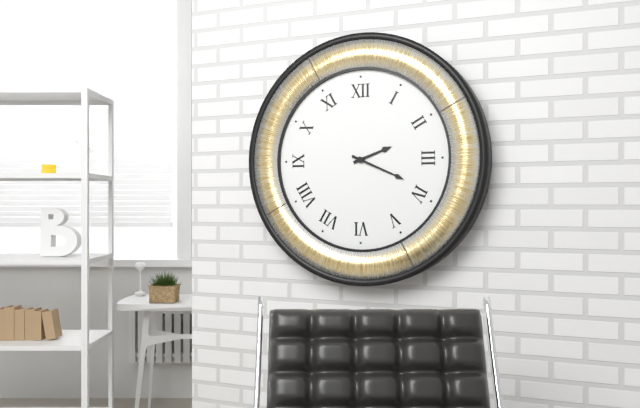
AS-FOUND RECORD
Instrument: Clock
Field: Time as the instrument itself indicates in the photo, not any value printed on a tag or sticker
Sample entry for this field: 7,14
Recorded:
2,19
